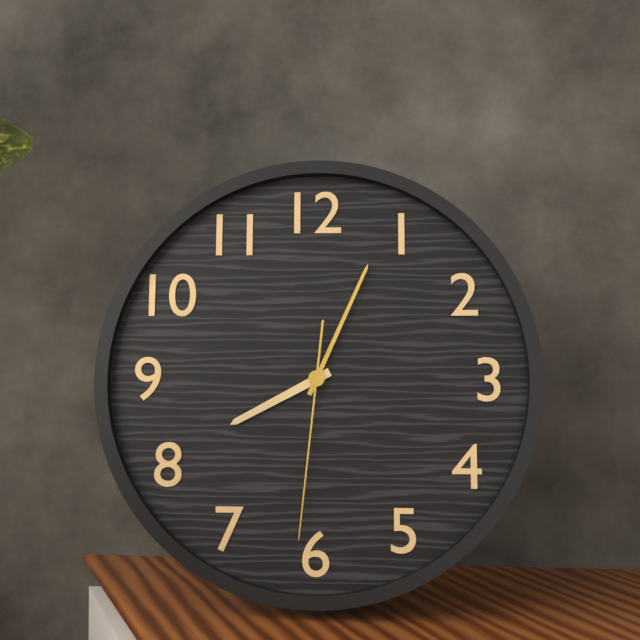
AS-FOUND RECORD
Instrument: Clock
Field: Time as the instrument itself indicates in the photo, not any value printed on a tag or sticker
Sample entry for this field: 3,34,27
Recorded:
8,04,31
